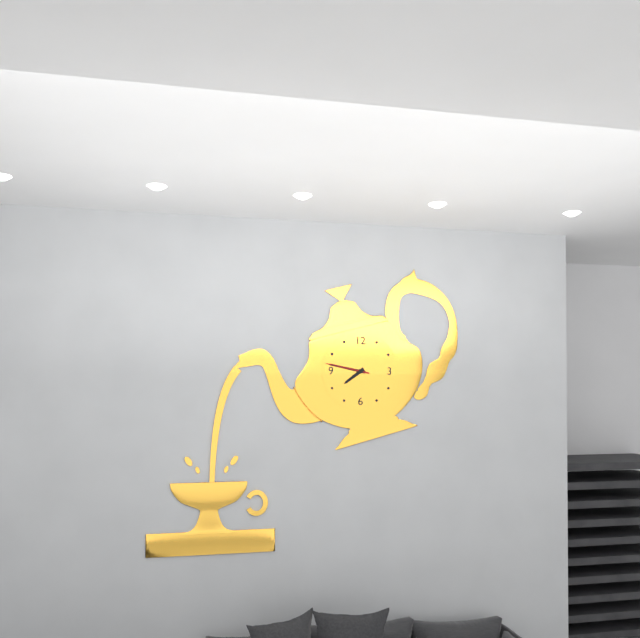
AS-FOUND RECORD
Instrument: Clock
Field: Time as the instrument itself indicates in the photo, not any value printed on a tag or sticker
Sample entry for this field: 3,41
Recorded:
7,47
